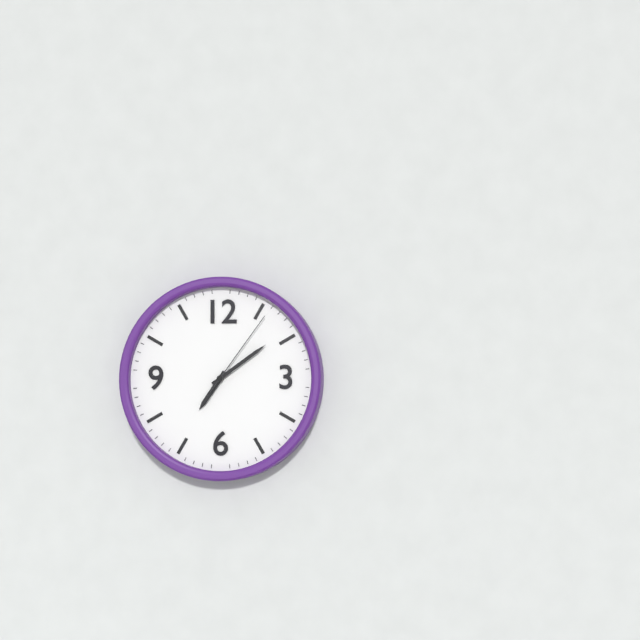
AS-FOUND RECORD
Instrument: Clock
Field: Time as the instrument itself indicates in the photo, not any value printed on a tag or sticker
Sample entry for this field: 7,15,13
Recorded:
7,09,06
